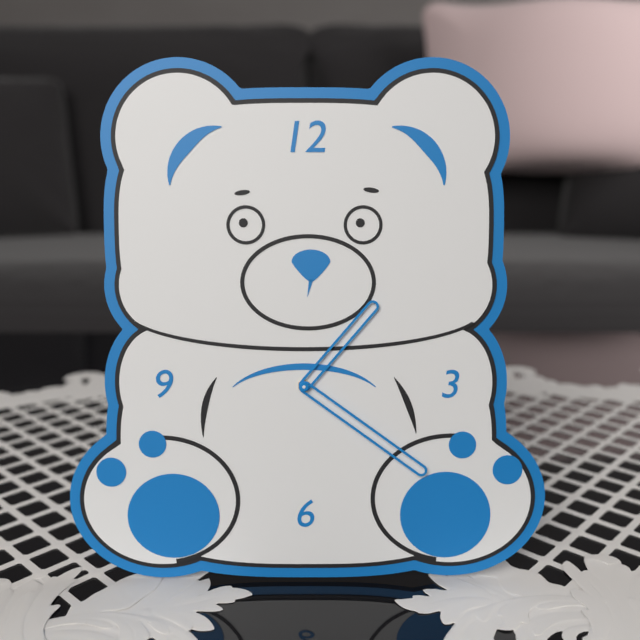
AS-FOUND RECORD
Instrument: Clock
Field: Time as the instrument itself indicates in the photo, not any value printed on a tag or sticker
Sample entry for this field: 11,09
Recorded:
1,21
